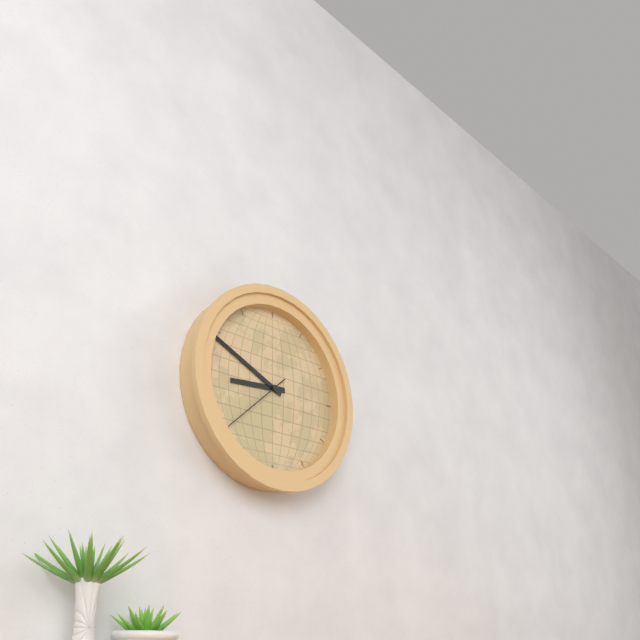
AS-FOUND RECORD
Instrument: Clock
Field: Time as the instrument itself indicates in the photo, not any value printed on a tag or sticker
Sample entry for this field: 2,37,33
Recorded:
8,49,38
